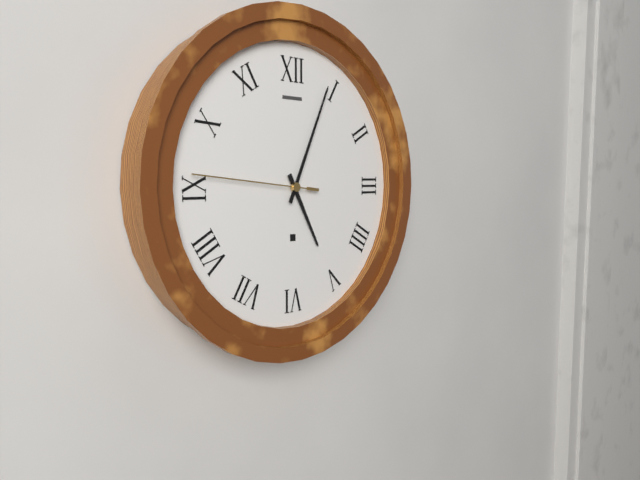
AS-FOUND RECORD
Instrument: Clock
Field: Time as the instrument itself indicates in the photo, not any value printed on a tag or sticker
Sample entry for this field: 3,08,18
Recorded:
5,04,46
